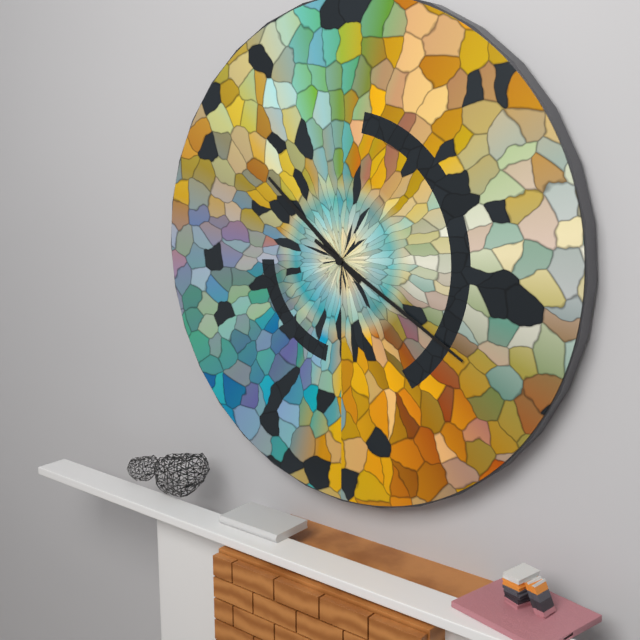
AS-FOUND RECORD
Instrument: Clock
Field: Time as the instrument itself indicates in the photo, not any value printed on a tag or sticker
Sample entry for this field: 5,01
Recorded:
10,20
